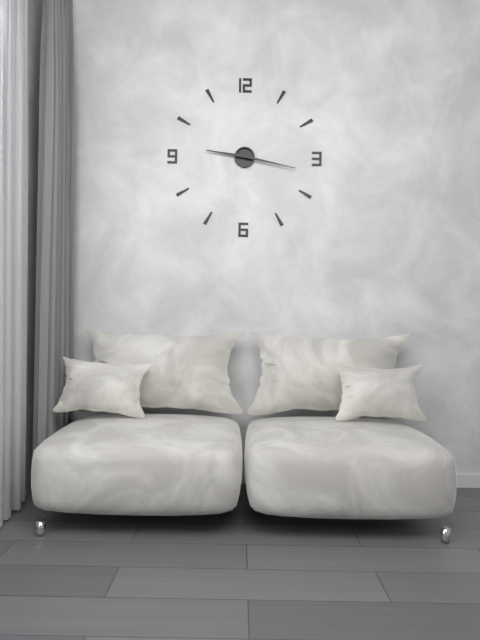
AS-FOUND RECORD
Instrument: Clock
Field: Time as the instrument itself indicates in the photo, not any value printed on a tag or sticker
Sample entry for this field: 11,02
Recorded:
9,17
